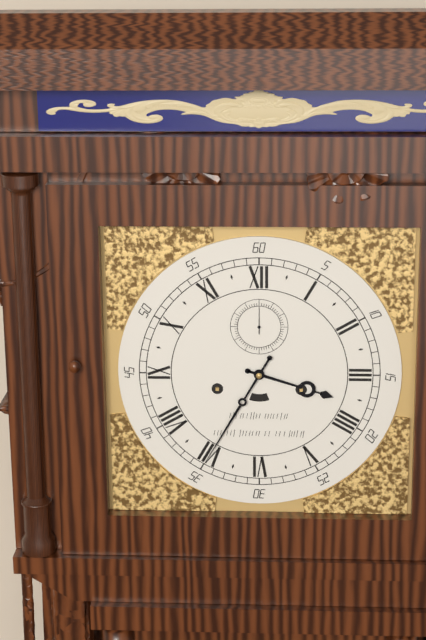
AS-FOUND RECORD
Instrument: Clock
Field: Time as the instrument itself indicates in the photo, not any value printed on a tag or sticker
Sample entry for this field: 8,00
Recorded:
3,35
